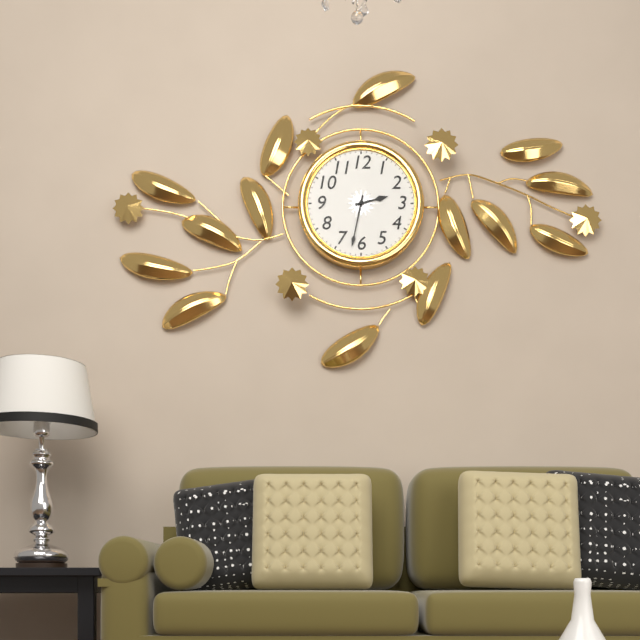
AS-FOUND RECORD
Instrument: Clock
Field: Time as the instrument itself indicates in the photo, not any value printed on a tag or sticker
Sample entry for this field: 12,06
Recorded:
2,32
